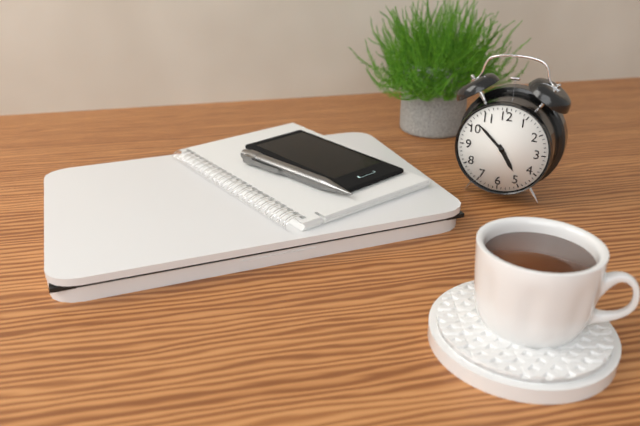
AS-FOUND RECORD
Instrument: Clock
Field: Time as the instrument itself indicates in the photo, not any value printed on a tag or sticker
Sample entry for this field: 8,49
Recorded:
4,52
